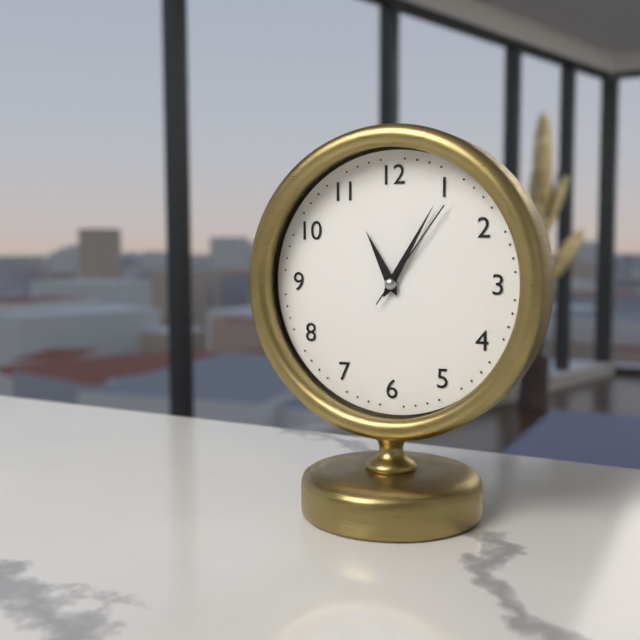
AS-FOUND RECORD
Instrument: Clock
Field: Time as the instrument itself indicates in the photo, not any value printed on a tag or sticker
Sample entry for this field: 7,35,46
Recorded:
11,05,06
